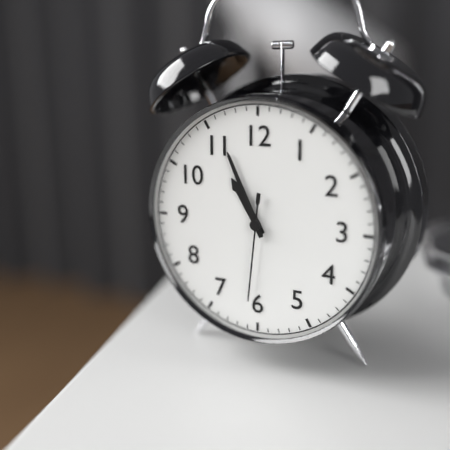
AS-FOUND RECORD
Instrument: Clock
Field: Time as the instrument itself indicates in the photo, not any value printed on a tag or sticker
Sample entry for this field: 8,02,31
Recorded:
10,56,31
